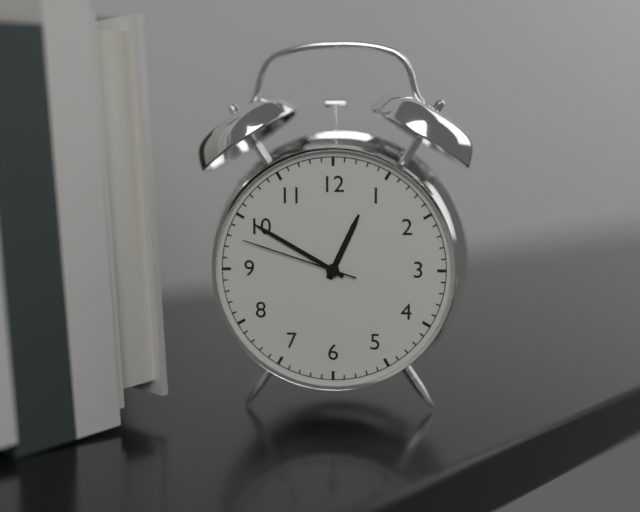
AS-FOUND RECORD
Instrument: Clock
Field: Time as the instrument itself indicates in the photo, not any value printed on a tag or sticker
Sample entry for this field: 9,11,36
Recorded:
12,50,48
